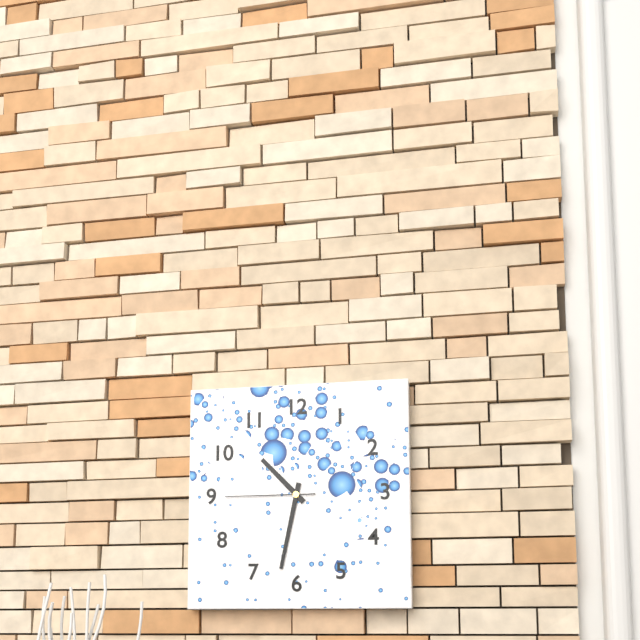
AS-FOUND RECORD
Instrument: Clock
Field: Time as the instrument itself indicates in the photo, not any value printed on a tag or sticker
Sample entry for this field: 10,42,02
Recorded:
10,32,45
